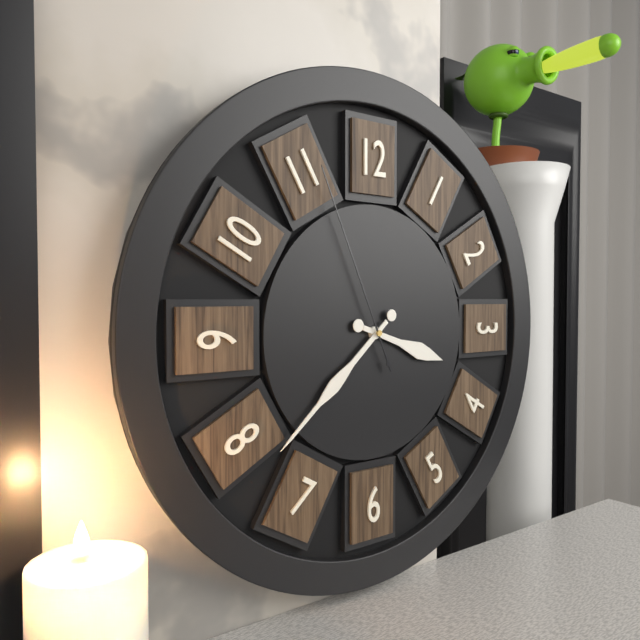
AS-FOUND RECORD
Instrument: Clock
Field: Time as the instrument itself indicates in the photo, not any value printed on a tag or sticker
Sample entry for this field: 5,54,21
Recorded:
3,38,56
